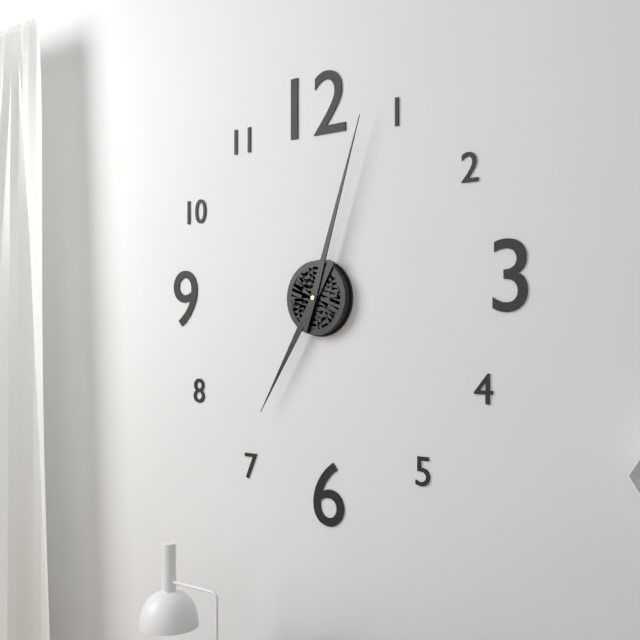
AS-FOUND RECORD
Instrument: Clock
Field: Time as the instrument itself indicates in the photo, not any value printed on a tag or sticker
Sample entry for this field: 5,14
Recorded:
7,03
